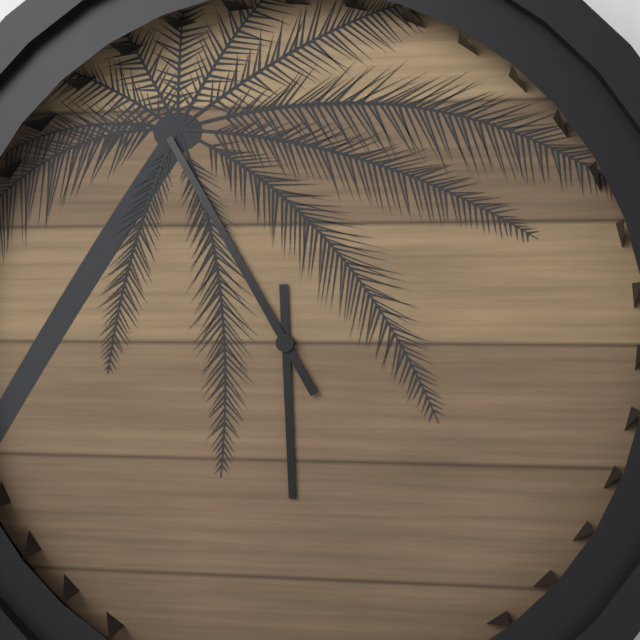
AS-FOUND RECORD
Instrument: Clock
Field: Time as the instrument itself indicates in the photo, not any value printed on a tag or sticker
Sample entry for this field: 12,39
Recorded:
5,55
